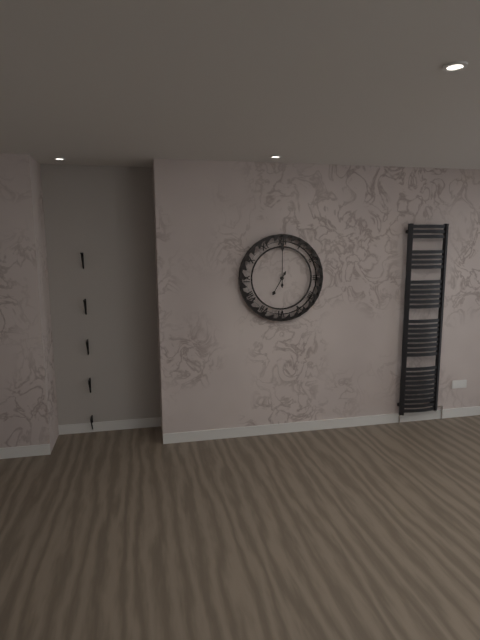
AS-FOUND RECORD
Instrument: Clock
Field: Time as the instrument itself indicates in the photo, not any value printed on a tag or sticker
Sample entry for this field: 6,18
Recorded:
7,00
